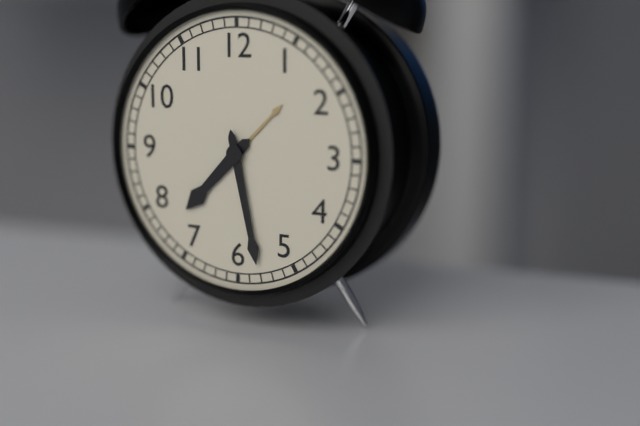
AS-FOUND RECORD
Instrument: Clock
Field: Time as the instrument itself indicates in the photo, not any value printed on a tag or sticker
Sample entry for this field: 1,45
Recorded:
7,28
